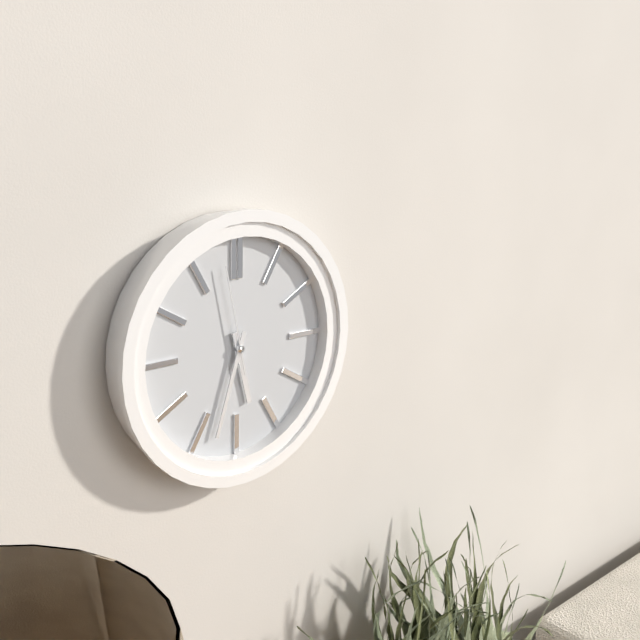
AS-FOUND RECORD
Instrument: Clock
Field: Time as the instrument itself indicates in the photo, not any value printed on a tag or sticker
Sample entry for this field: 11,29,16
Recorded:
5,33,58
